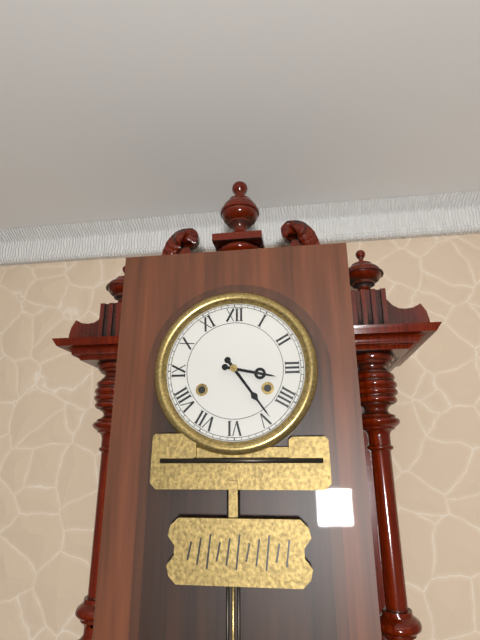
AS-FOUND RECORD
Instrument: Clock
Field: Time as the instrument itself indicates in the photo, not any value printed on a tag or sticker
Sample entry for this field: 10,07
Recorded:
3,24
